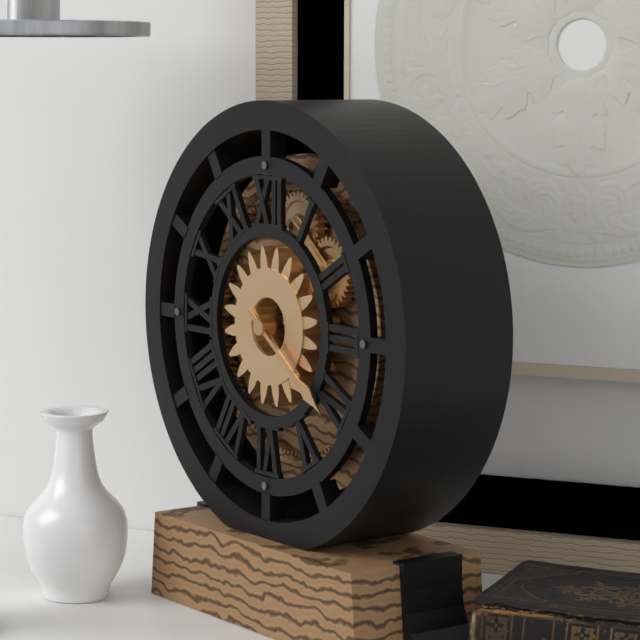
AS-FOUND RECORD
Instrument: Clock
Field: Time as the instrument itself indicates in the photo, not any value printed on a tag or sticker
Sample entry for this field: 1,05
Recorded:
4,21
